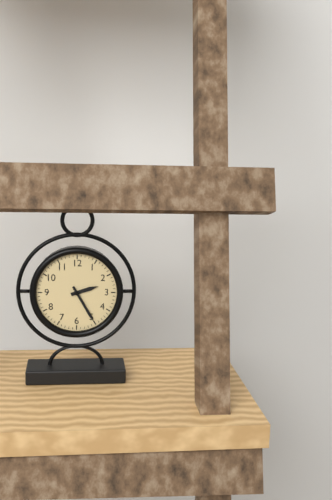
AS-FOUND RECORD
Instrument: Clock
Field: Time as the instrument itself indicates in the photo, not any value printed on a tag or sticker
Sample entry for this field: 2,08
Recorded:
2,25
